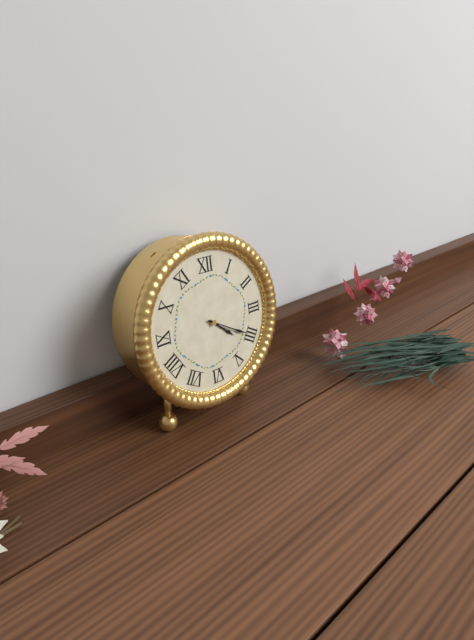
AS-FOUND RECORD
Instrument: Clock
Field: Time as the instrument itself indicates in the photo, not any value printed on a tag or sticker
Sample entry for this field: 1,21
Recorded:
4,20
